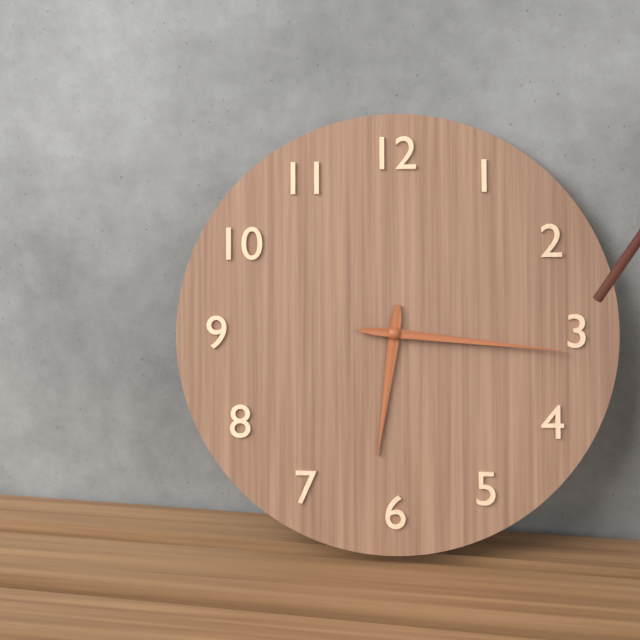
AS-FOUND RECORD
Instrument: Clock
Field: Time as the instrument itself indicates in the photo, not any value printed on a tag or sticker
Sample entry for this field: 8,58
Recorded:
6,16
